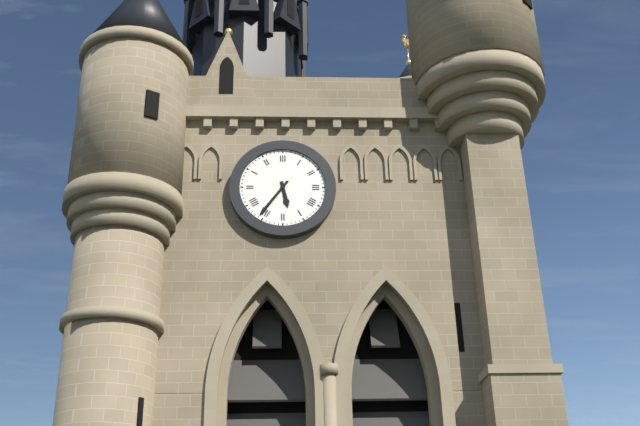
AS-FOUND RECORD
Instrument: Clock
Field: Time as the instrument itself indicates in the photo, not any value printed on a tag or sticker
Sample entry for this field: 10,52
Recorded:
5,36
